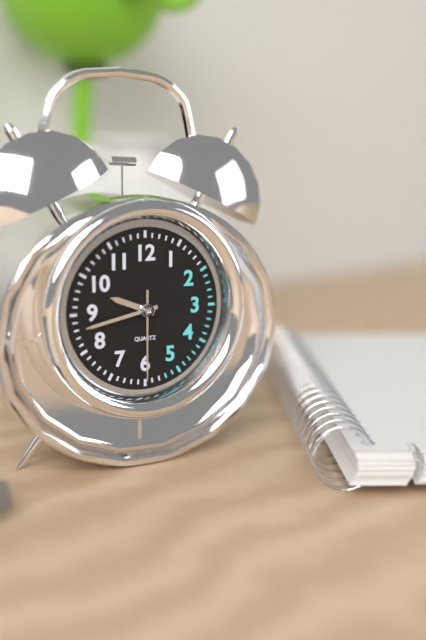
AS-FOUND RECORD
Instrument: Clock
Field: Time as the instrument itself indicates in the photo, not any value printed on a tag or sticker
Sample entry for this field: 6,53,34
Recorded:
9,43,30
